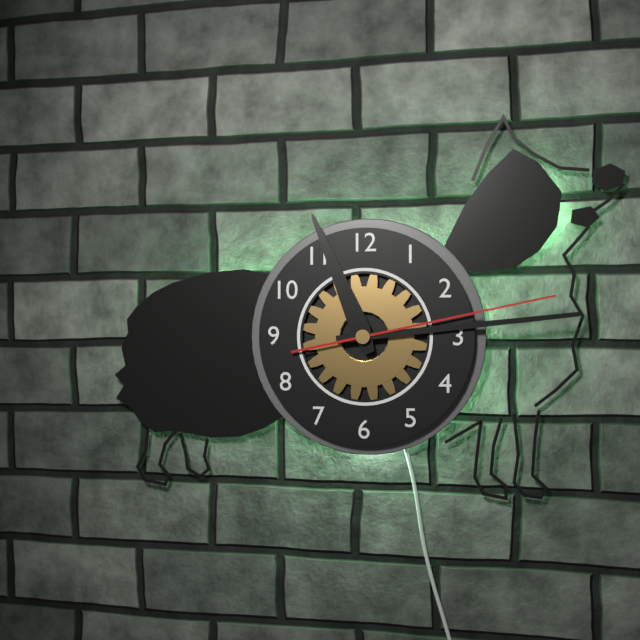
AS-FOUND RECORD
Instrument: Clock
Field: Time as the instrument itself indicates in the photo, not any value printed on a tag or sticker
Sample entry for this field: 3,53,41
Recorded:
11,14,13
